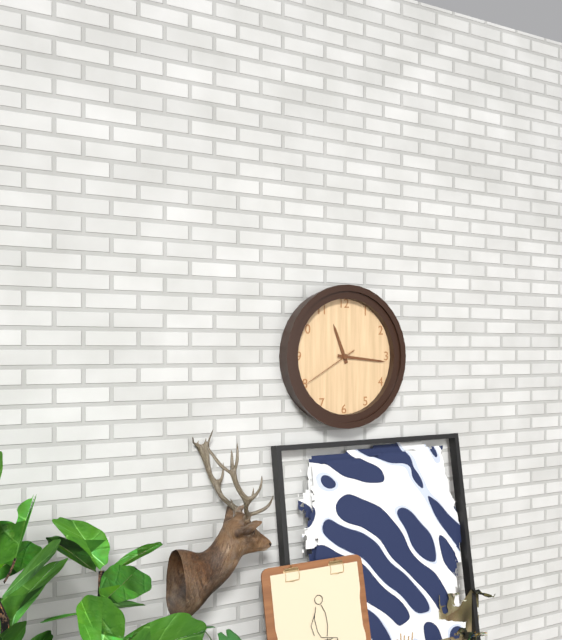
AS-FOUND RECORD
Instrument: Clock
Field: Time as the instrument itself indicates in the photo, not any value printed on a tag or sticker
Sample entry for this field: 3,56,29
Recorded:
11,16,40
